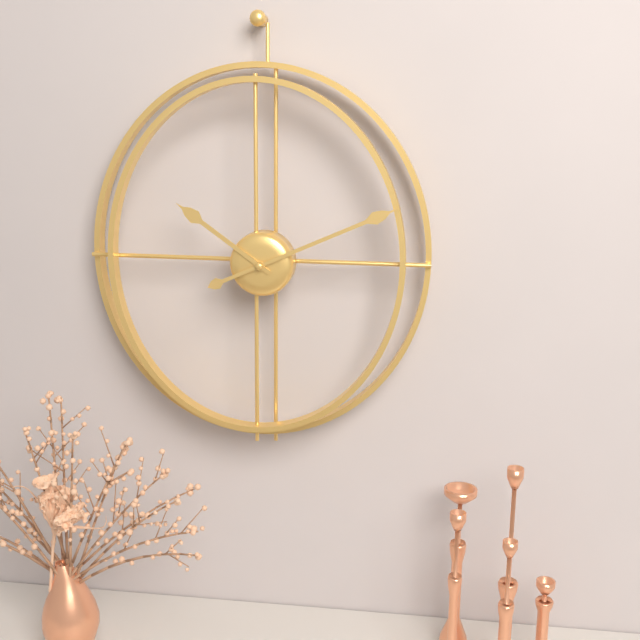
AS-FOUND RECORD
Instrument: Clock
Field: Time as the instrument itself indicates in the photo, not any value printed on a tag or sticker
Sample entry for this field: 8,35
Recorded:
10,11
